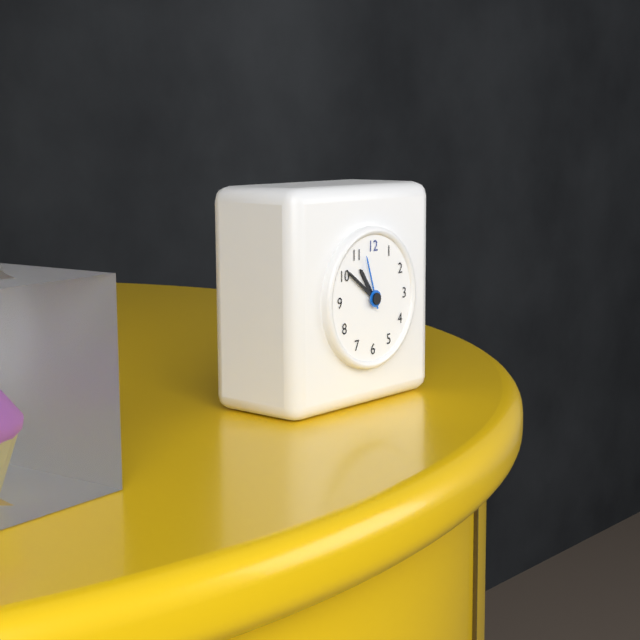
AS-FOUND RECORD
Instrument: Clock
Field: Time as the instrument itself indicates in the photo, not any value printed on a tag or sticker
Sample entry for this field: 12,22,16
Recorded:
10,51,57
